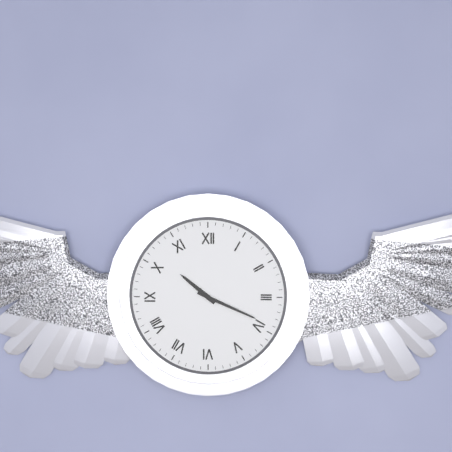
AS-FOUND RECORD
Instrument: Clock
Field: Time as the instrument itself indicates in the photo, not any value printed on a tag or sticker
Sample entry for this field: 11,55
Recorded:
10,19
